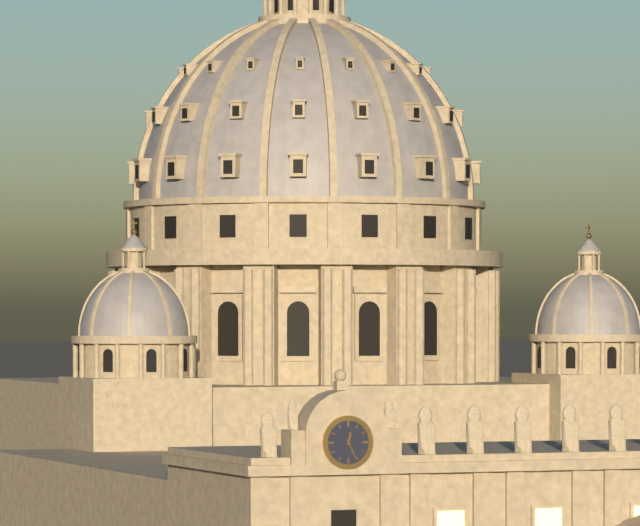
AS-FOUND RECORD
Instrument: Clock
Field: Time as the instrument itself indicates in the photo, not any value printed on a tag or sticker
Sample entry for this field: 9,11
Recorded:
12,26
